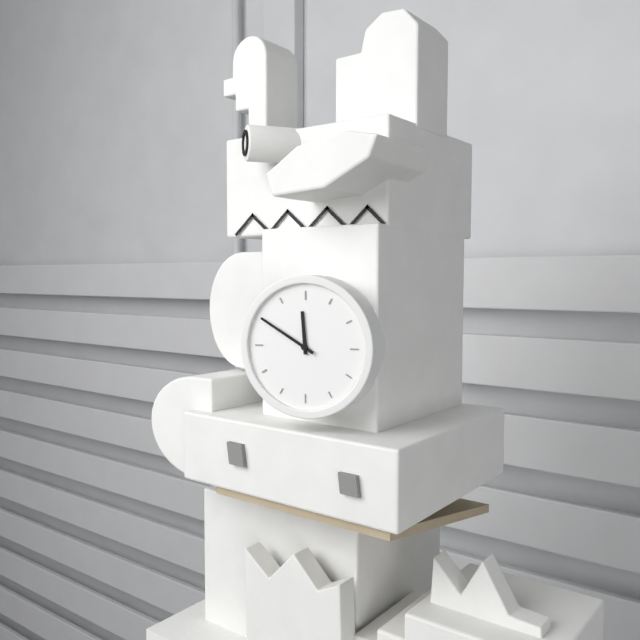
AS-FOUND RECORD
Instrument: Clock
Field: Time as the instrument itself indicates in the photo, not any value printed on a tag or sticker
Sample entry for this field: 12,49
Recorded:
11,50
